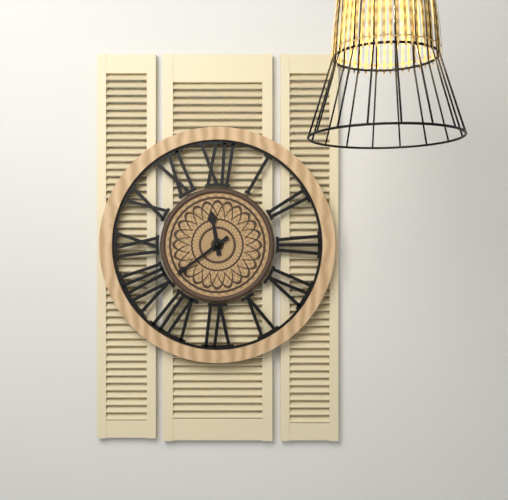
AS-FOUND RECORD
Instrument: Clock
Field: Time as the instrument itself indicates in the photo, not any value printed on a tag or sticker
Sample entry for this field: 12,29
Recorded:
11,39
